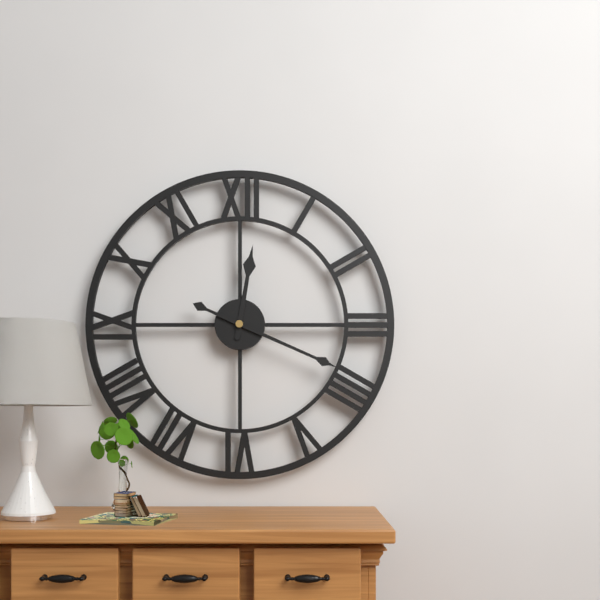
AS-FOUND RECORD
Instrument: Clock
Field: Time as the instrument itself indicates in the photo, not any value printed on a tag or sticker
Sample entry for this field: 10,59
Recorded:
12,19
